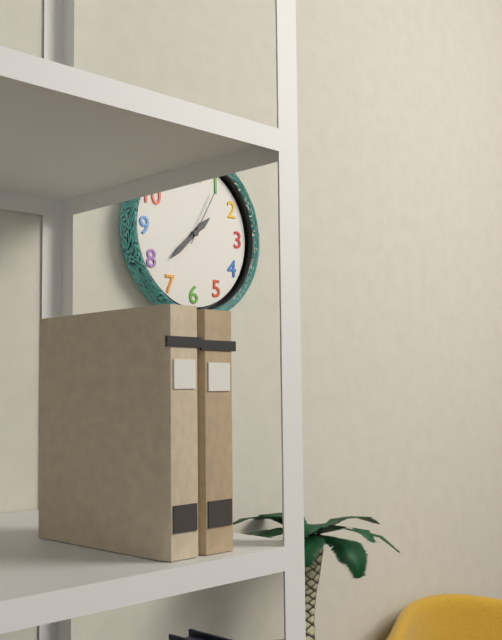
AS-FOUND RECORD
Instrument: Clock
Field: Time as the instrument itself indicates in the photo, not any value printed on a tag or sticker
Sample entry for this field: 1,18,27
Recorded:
1,38,05
